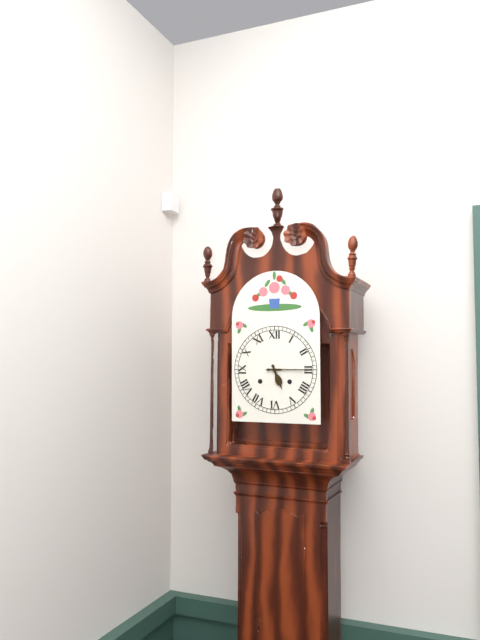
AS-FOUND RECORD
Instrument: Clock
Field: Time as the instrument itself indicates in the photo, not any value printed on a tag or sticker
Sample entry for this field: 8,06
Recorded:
5,15
